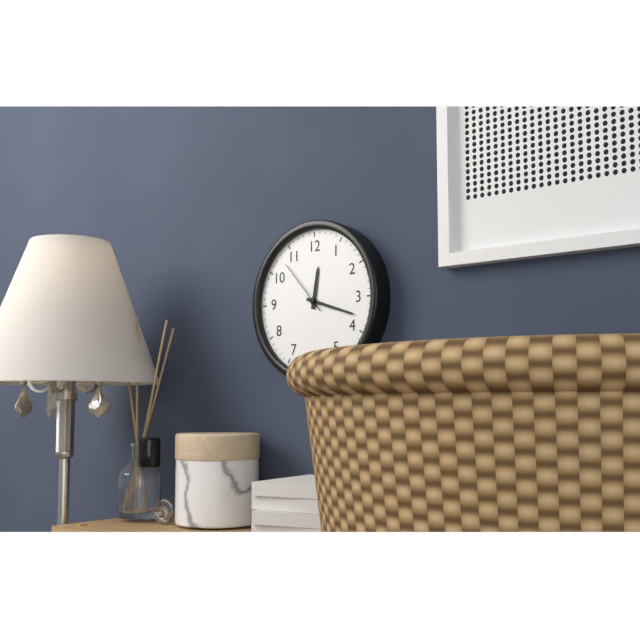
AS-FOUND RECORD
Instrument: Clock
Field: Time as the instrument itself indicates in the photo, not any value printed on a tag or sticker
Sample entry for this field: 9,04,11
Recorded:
12,18,53
